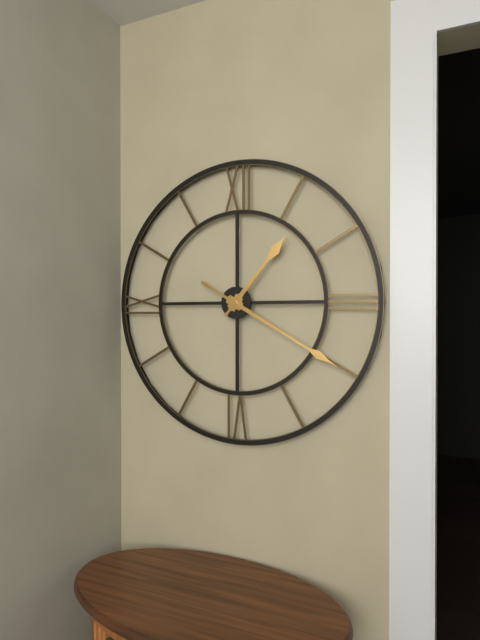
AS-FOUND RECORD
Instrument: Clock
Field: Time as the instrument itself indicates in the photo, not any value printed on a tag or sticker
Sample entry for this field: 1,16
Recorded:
1,20
